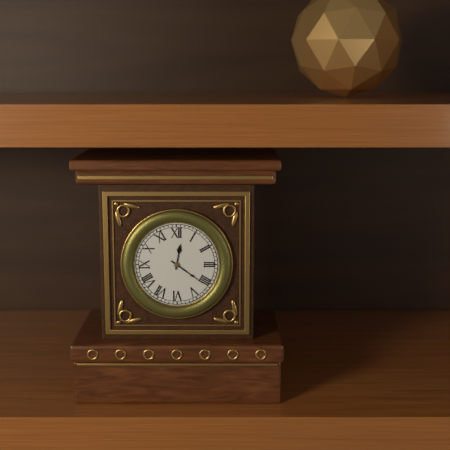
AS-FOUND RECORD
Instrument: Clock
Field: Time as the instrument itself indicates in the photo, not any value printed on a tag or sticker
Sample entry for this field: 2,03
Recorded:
12,21
